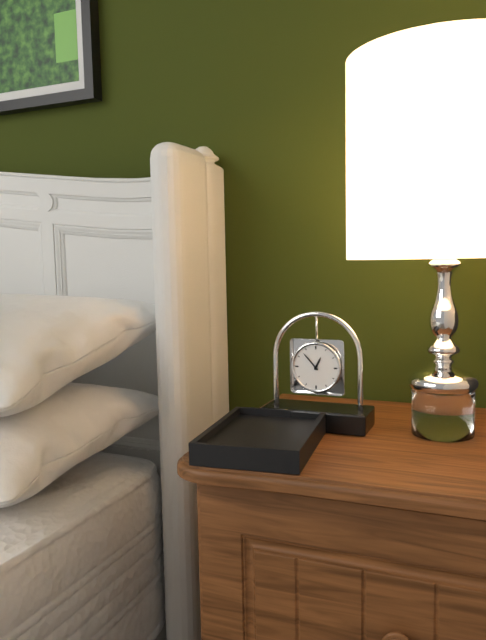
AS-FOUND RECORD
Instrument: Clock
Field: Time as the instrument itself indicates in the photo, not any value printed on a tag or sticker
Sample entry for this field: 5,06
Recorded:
12,53
